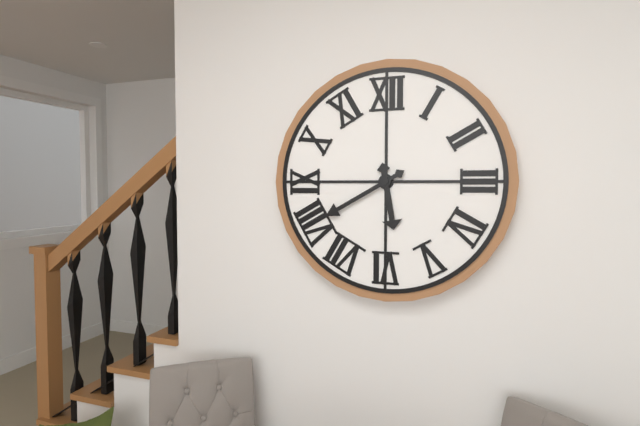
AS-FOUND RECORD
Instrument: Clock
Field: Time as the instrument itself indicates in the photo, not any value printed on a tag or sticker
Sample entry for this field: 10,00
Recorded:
5,40
